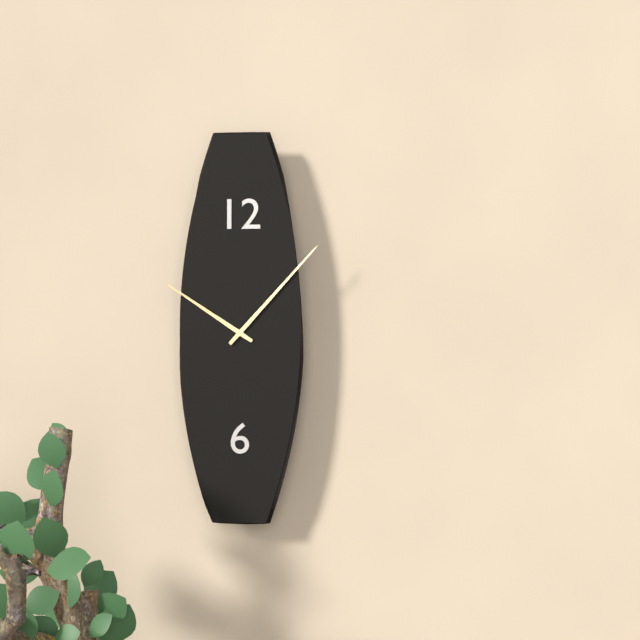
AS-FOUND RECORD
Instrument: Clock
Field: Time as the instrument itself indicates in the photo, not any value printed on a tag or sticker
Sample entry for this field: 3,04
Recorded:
10,07
